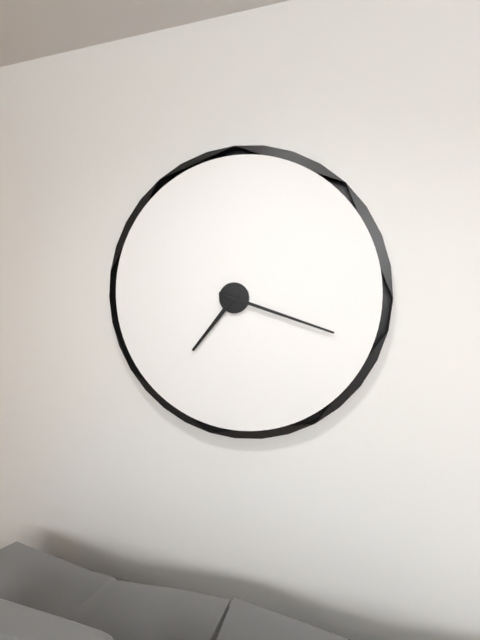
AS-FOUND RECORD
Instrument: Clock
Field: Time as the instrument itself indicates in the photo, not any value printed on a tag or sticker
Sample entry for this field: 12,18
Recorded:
7,18
